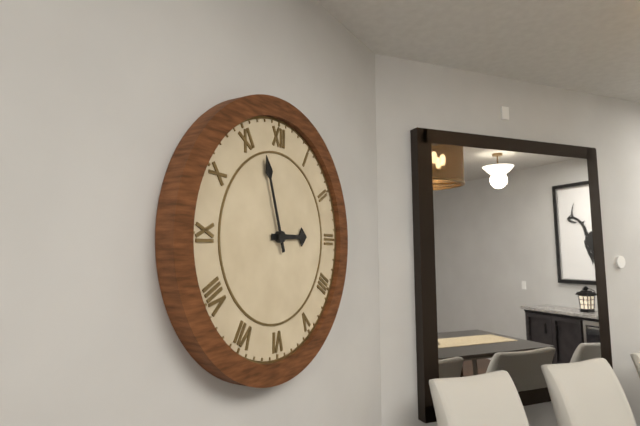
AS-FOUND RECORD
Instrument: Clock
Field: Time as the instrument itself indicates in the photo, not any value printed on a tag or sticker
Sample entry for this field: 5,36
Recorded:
2,57
